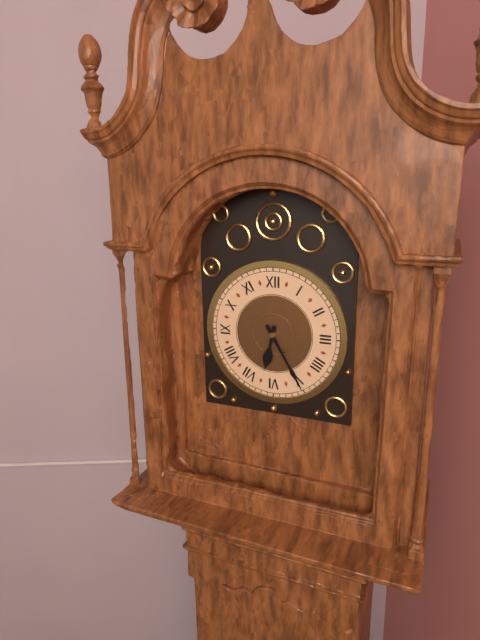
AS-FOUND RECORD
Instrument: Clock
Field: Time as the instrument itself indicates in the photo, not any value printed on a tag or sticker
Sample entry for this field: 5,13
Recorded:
6,25
